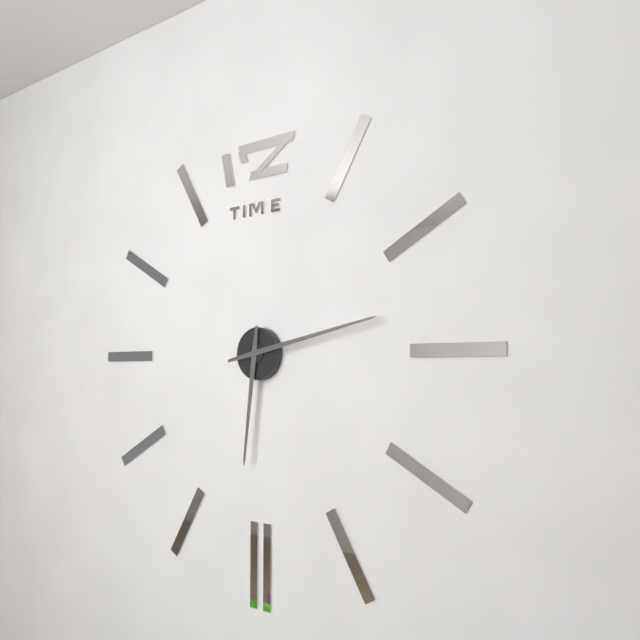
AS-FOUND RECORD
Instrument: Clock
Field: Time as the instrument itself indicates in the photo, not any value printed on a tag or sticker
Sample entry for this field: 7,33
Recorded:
6,13
